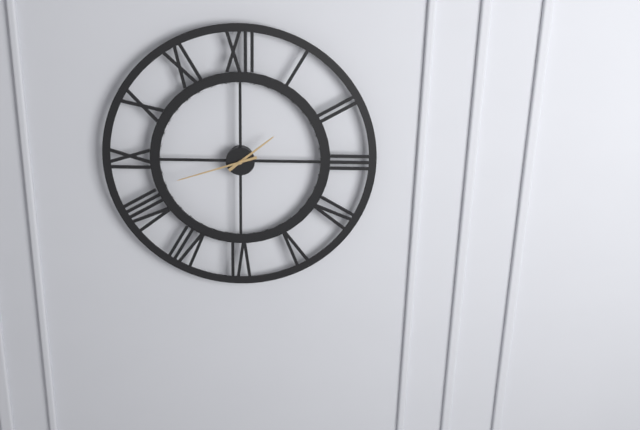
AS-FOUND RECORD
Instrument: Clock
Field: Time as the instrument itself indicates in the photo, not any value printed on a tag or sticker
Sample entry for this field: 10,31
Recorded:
1,42
